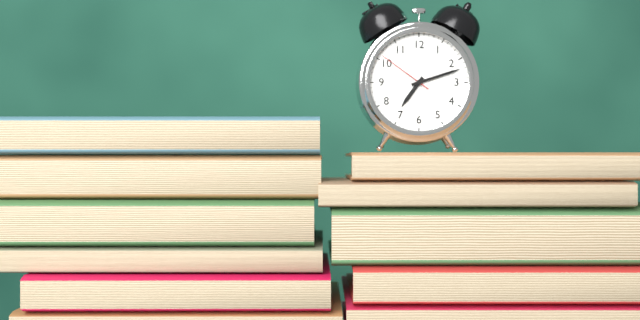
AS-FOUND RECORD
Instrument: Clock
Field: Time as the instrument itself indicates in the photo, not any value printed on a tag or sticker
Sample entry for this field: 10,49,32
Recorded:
7,12,51
